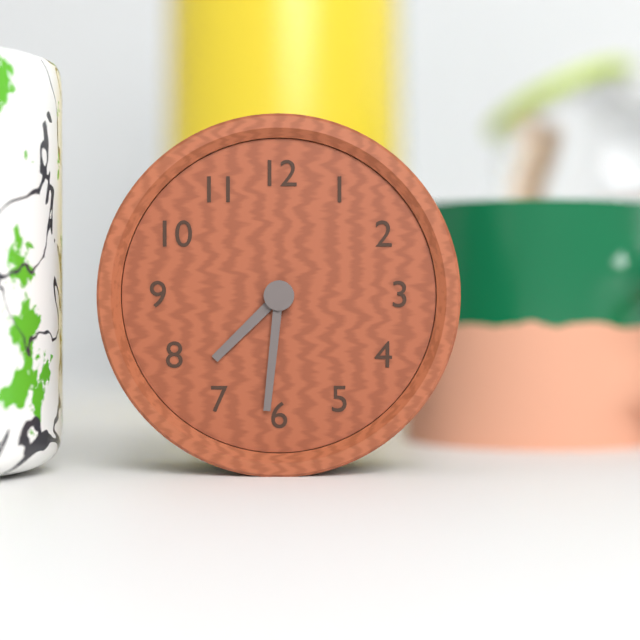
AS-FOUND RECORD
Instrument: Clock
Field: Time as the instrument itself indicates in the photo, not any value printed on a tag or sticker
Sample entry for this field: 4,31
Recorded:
7,31
